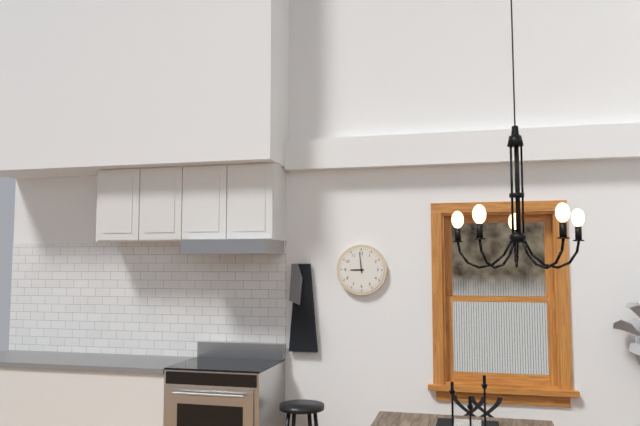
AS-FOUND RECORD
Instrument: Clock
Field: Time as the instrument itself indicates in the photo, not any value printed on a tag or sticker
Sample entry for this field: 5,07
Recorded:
8,59
